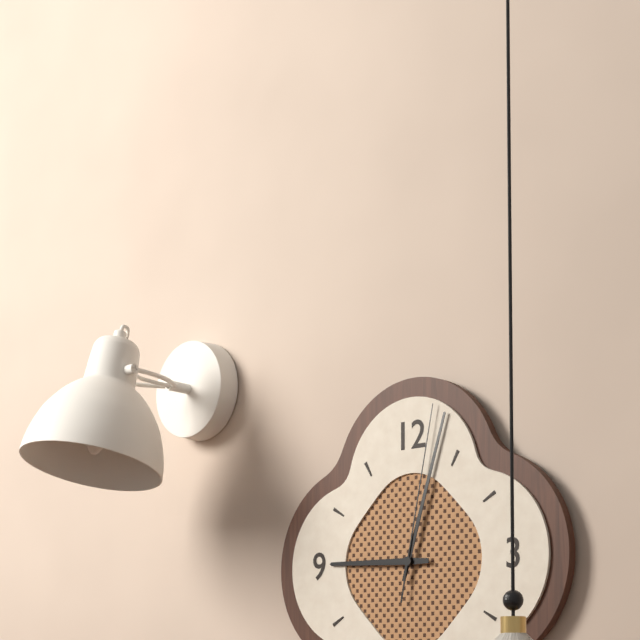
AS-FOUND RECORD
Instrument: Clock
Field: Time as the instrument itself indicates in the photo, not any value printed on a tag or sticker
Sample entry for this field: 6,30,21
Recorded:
9,03,02
